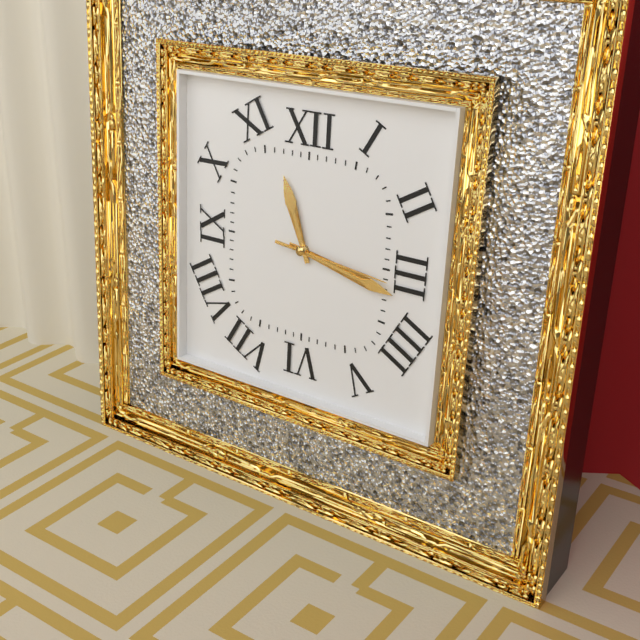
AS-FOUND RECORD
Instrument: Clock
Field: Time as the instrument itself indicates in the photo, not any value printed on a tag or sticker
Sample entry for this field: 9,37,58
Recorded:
11,17,16
